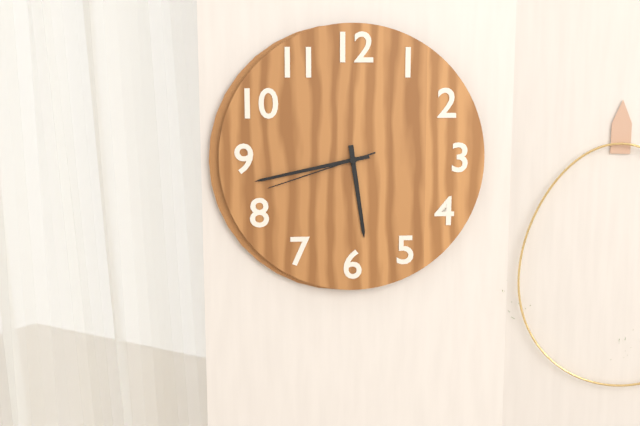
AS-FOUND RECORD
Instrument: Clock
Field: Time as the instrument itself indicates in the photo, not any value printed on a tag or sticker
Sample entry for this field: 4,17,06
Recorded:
5,43,42
